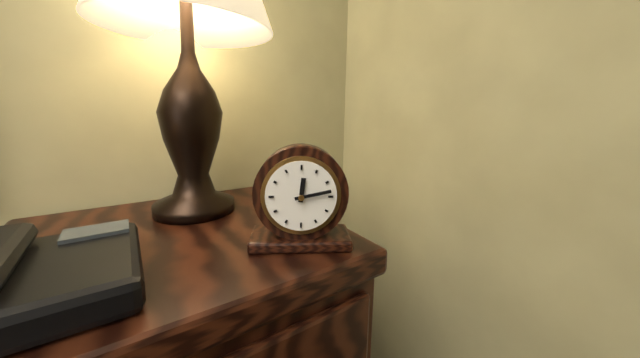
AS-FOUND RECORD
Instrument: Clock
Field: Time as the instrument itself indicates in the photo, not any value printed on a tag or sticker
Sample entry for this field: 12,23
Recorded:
12,13
